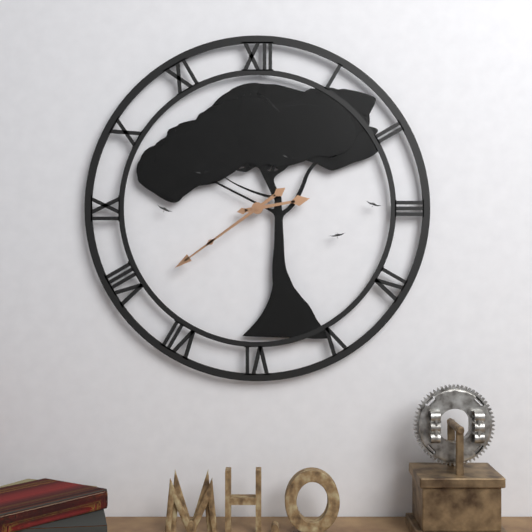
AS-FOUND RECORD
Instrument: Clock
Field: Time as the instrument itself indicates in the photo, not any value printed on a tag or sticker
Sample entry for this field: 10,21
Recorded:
2,39
